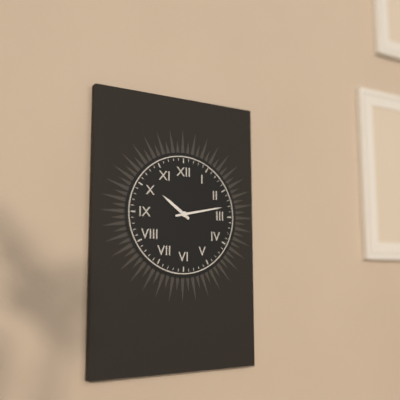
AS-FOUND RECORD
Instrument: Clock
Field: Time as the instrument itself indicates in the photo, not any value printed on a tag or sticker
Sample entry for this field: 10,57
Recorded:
10,13
